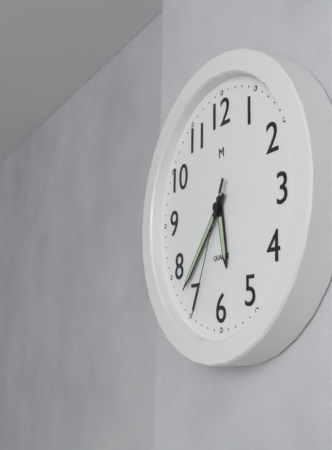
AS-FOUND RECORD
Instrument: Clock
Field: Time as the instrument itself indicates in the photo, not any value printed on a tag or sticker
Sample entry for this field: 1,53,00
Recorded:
5,37,34
